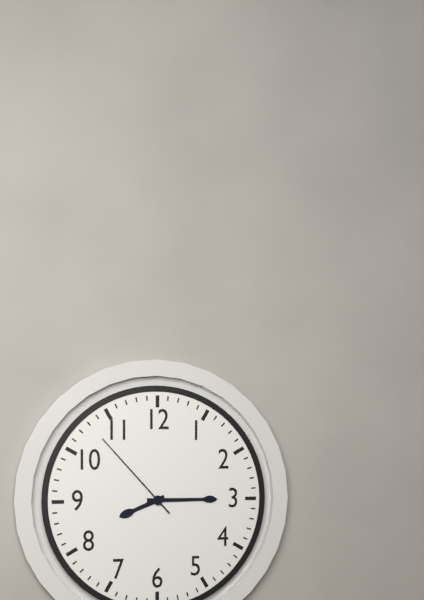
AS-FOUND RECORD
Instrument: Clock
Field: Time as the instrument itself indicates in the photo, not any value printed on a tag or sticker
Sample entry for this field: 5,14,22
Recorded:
8,15,53
